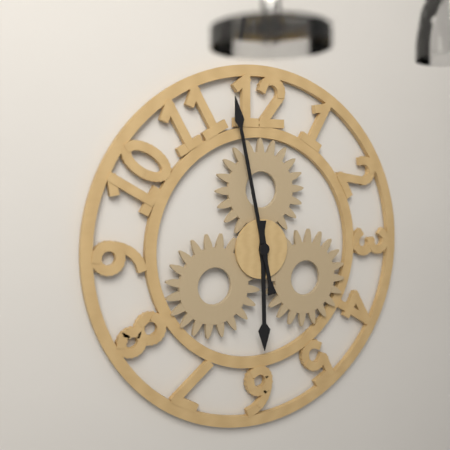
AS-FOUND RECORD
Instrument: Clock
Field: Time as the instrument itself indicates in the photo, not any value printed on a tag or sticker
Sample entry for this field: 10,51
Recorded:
5,58
